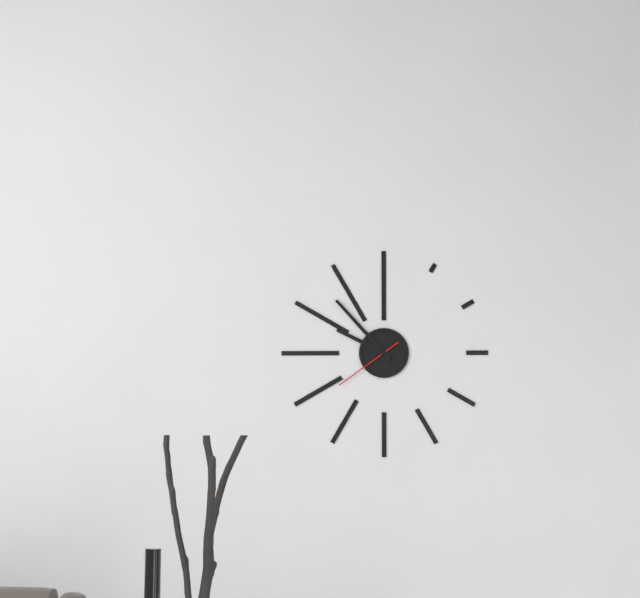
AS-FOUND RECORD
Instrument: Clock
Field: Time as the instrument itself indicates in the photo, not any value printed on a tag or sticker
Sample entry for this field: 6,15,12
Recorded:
9,53,39
